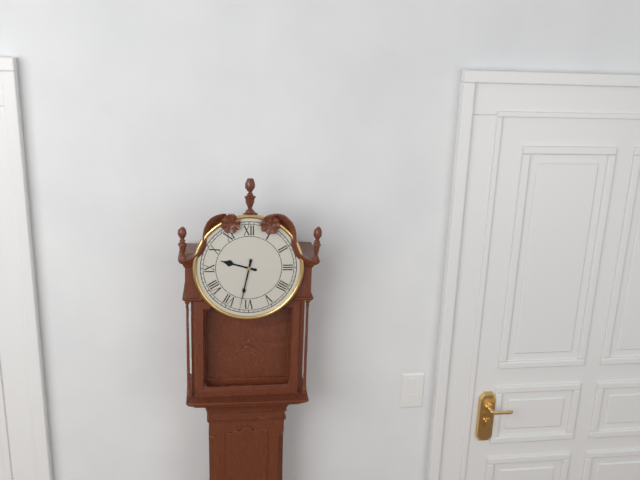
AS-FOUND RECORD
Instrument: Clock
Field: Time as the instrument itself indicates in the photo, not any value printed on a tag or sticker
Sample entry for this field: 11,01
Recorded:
9,32
